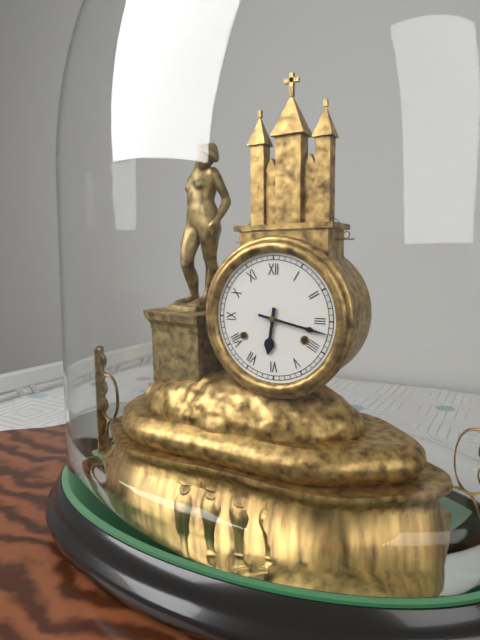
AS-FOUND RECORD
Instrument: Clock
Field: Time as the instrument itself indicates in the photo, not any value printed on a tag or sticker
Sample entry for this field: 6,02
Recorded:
6,17
